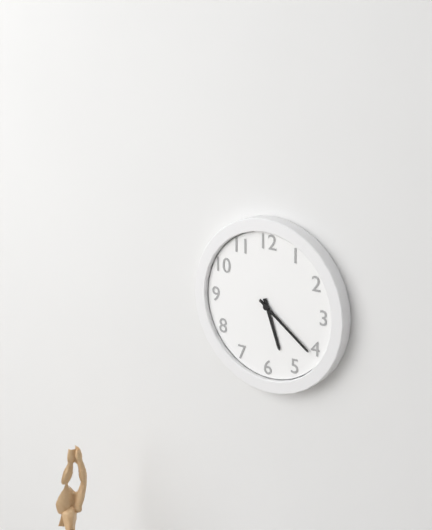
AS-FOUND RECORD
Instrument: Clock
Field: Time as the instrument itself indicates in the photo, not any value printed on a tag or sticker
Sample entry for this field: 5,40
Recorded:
5,21
